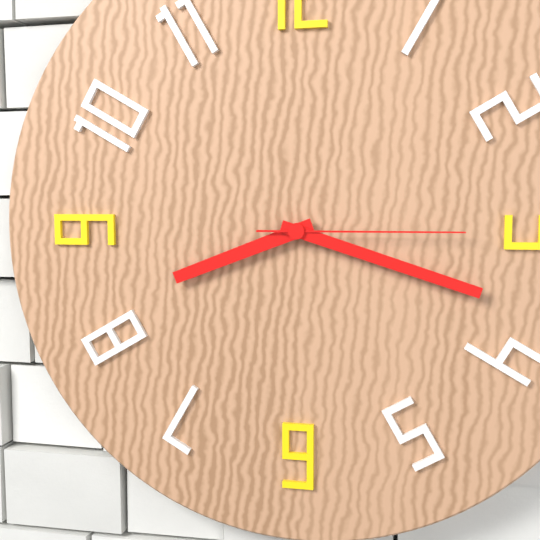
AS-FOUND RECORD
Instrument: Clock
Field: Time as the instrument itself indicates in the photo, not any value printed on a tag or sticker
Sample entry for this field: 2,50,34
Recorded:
8,18,15
